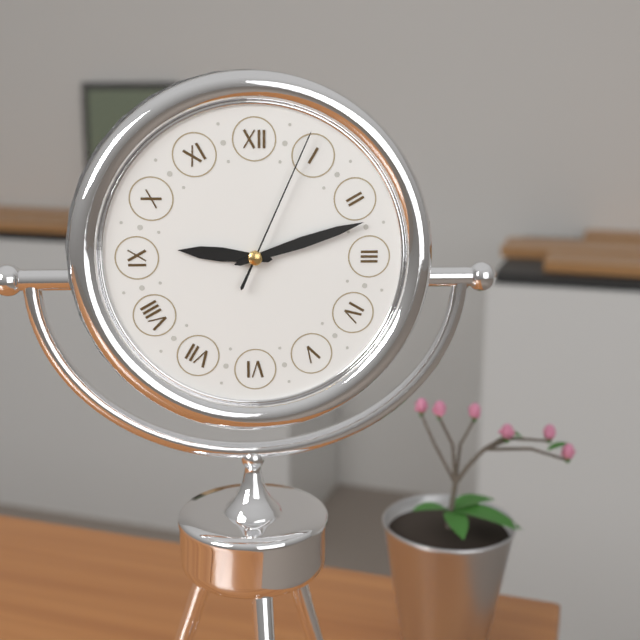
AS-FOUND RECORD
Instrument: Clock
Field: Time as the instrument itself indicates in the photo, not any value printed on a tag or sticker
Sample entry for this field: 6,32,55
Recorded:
9,12,04
